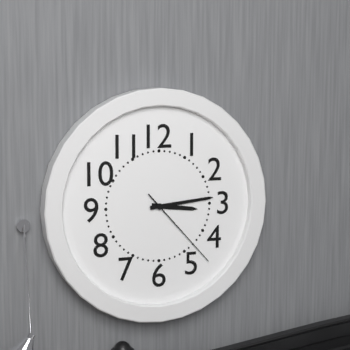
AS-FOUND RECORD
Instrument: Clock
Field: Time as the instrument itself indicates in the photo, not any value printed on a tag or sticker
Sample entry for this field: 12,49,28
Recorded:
3,14,23
